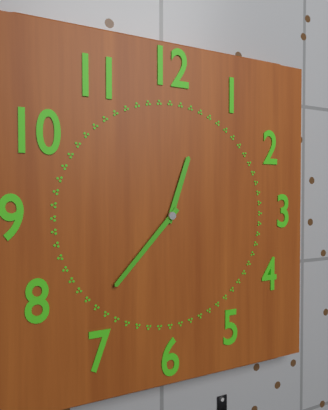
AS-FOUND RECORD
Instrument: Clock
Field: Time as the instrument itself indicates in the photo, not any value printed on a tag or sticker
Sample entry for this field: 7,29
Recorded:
12,37
